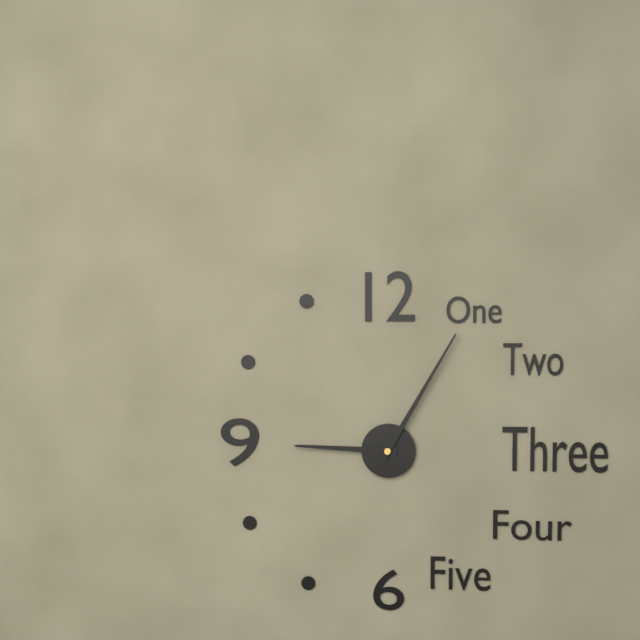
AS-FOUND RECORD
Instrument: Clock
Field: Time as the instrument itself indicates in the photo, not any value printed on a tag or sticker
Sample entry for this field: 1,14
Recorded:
9,05
